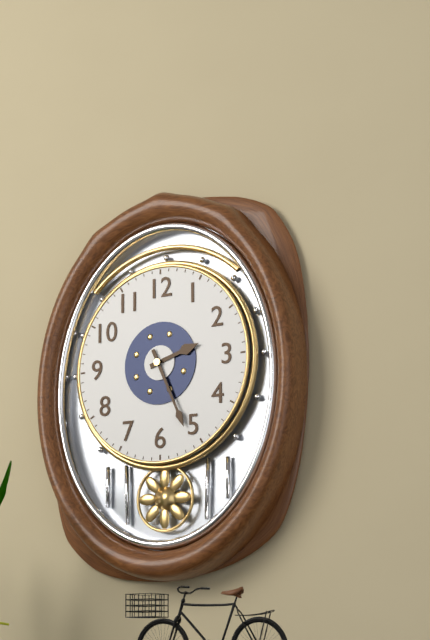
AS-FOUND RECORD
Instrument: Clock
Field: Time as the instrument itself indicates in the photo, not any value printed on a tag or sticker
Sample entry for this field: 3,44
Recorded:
2,26
